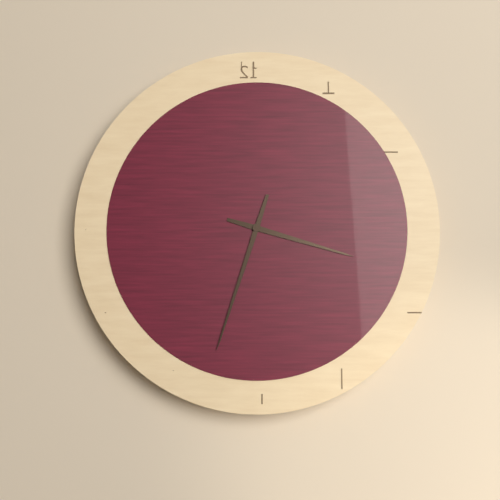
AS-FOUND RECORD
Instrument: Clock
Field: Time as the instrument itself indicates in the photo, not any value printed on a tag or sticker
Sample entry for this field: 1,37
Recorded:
3,33
